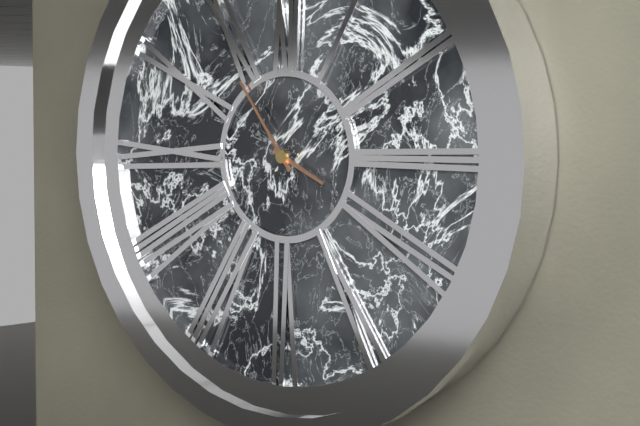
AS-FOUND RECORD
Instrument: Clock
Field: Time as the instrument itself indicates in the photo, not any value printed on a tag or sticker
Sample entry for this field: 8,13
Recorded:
3,54
